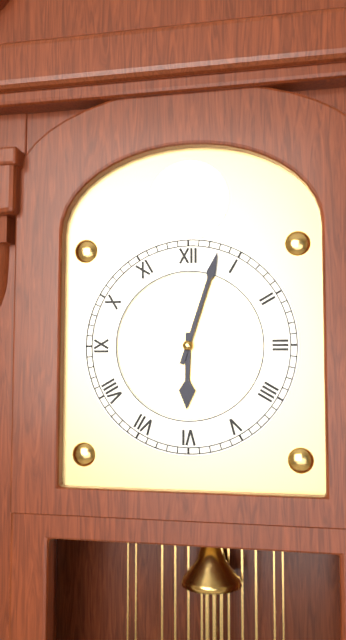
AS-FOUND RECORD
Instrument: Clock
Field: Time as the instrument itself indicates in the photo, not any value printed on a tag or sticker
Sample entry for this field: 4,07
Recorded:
6,03
